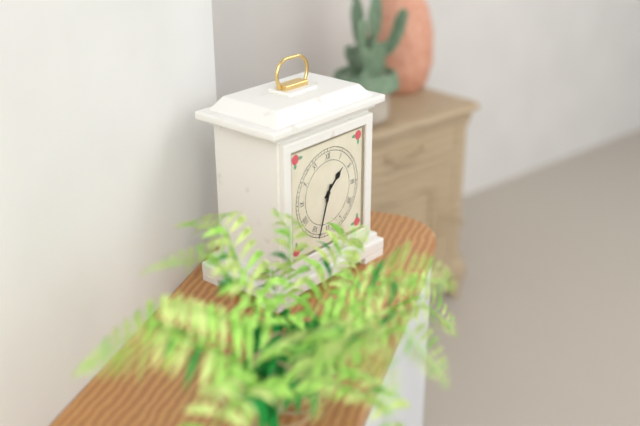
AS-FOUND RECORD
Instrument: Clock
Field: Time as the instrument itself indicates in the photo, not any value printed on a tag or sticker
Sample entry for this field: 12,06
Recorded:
1,33
